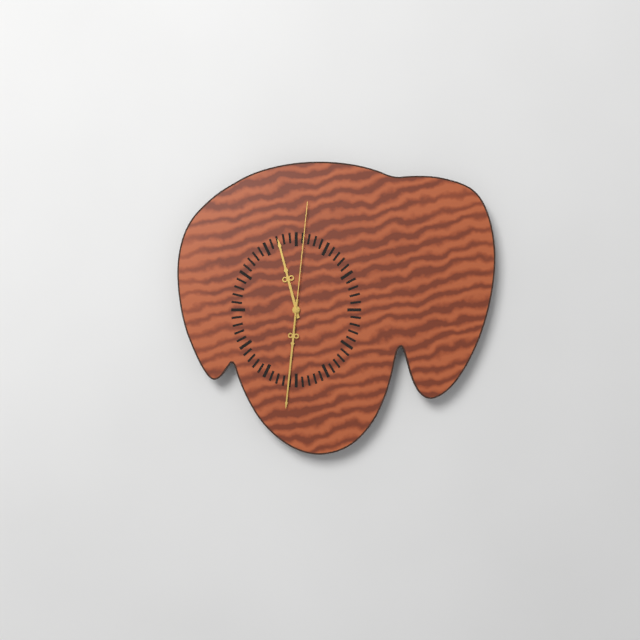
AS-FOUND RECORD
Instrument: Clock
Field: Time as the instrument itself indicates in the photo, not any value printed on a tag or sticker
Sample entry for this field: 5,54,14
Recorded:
11,31,01
